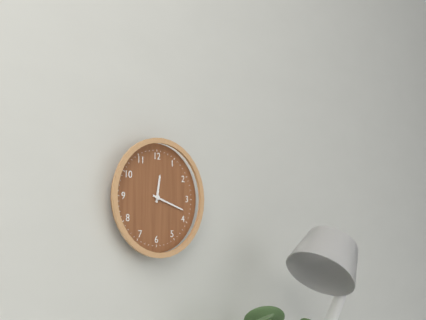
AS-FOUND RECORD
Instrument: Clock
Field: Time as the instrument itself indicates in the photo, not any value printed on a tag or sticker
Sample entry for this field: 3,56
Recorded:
12,18
